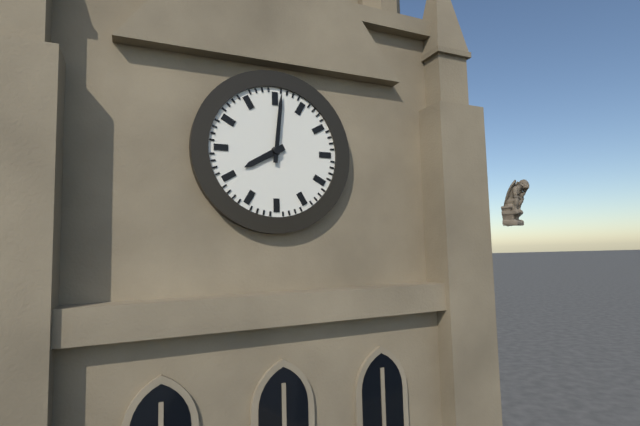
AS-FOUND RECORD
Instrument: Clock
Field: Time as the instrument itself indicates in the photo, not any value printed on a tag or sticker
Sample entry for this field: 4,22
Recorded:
8,01
